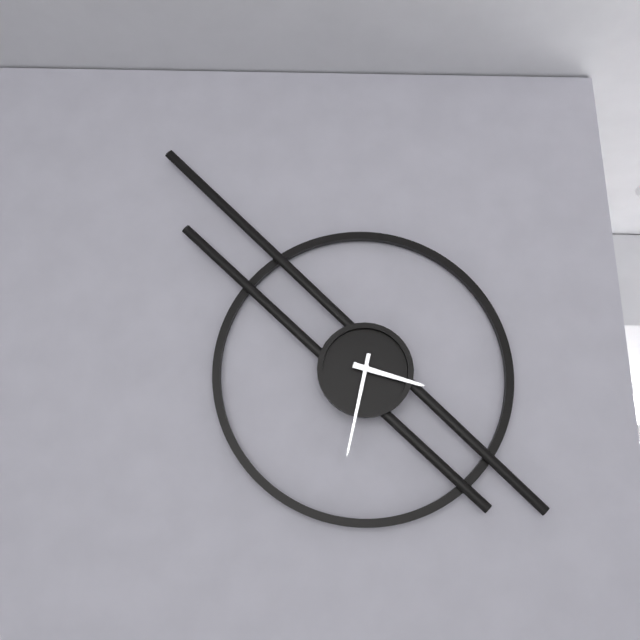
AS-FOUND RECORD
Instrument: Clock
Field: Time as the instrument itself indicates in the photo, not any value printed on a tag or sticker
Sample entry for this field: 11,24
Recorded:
3,32
